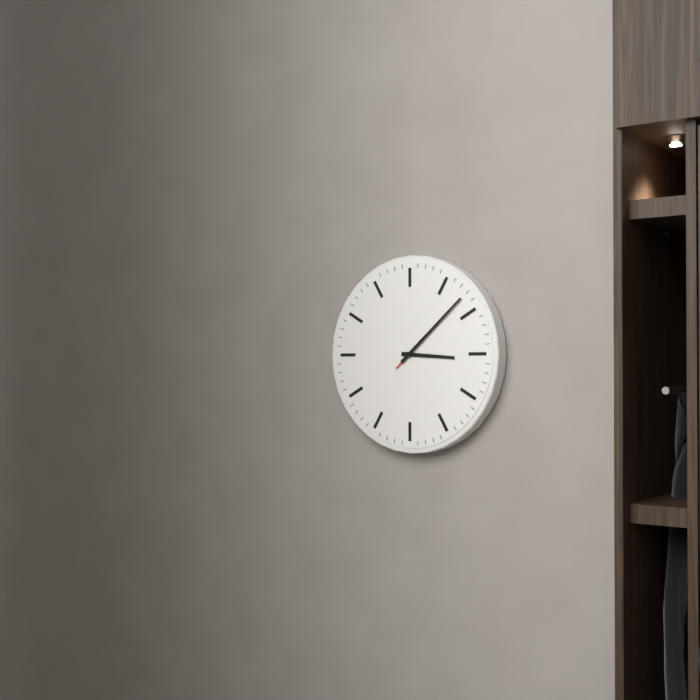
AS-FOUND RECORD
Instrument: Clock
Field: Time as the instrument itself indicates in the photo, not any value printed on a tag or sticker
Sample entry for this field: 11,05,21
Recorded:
3,08,08
